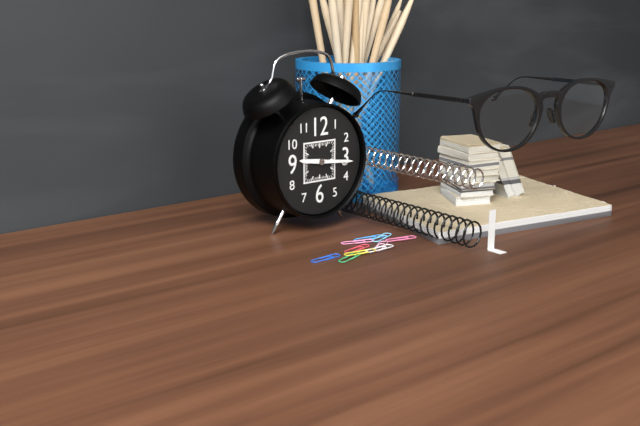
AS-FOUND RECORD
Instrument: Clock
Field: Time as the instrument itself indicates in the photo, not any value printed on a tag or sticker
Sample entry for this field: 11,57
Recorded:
9,16
